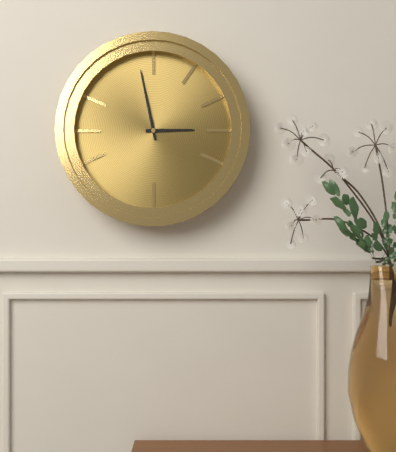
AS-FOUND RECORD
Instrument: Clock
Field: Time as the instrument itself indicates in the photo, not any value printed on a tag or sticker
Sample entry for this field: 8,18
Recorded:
2,58
